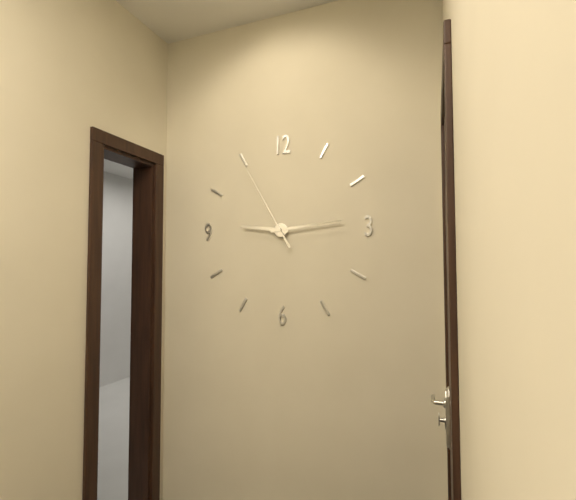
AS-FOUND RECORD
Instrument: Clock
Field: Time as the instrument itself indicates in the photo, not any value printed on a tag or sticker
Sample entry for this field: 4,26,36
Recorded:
9,14,55
